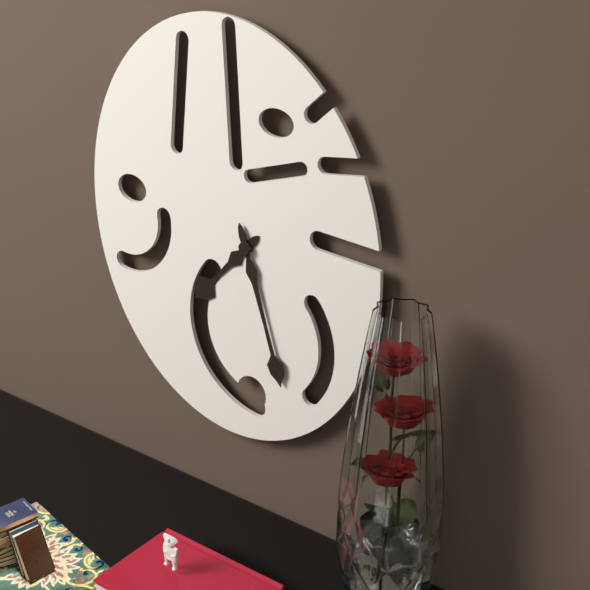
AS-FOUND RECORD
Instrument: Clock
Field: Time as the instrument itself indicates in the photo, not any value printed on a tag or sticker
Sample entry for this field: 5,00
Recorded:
7,27
